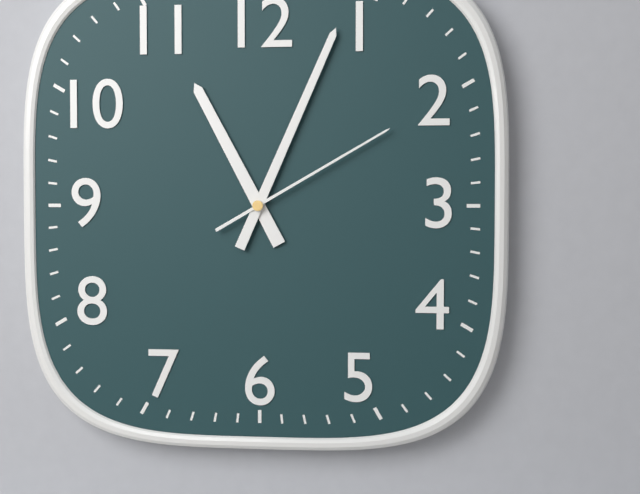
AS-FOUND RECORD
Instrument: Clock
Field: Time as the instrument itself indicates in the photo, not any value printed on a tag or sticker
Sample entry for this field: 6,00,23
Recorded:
11,04,10
